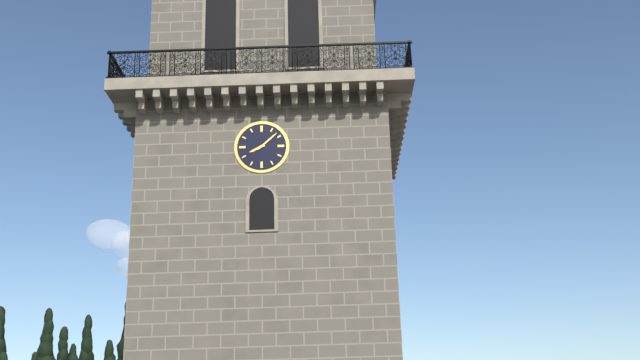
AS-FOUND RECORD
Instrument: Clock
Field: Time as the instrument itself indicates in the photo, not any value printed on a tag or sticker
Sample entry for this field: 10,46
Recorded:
8,08
